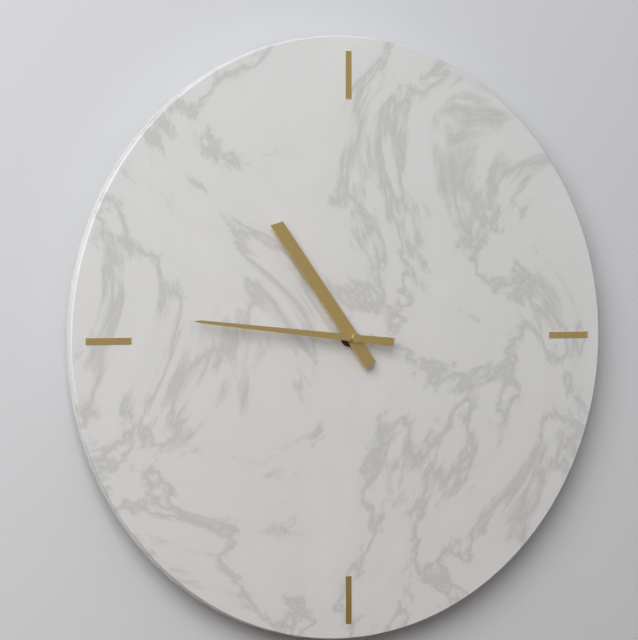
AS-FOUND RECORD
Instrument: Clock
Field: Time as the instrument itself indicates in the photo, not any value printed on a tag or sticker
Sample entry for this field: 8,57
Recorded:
10,46
